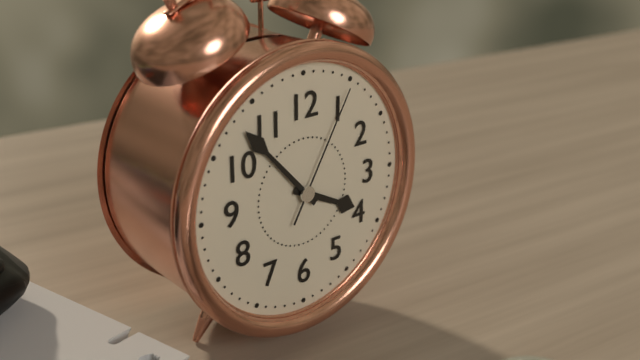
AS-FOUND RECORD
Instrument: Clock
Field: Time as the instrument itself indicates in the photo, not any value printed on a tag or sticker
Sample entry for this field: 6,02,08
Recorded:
3,53,05
